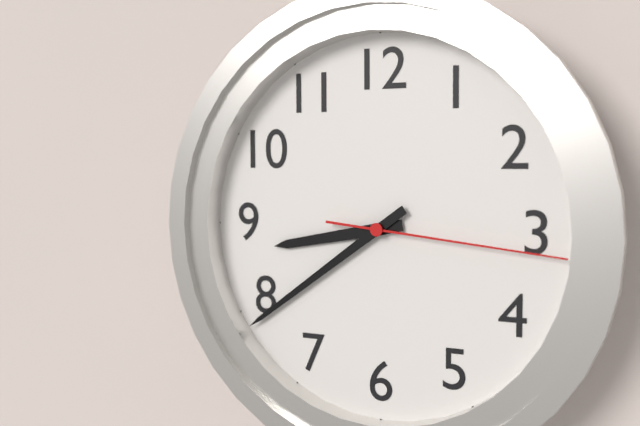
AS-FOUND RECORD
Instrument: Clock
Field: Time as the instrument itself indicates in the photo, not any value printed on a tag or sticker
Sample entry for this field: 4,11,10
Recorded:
8,39,16
